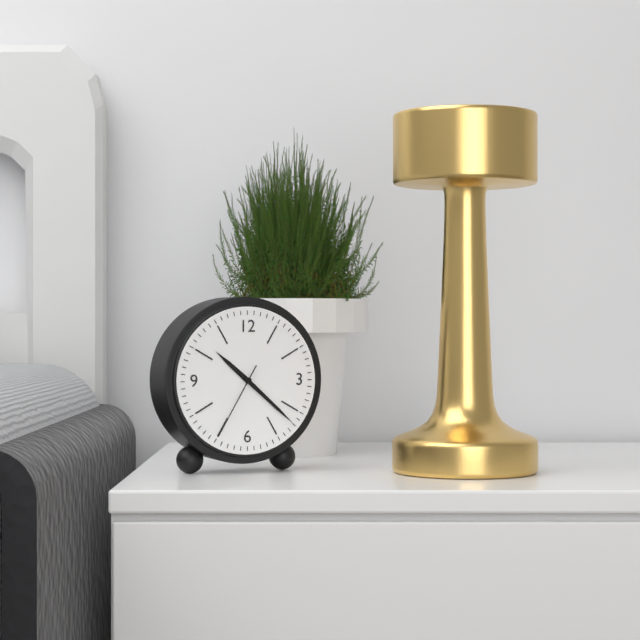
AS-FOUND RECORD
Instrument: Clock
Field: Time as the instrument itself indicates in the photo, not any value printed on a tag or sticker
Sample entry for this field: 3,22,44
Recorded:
10,22,35
